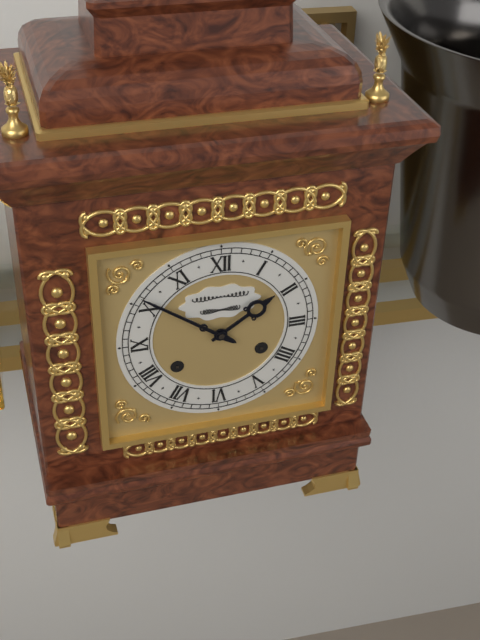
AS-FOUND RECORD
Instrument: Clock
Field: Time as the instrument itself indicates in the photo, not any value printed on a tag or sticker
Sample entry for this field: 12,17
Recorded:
1,51
